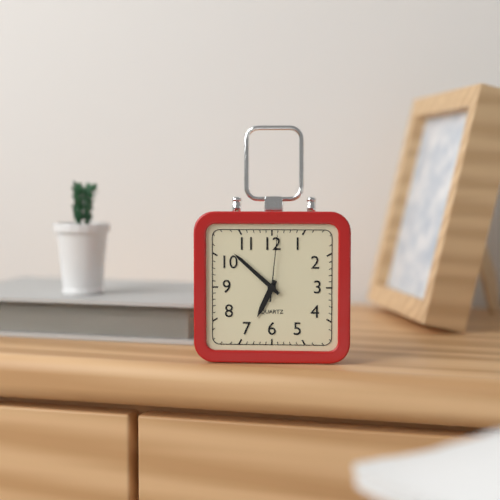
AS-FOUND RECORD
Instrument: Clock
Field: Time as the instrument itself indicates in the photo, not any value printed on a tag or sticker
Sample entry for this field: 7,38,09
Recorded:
6,52,01
